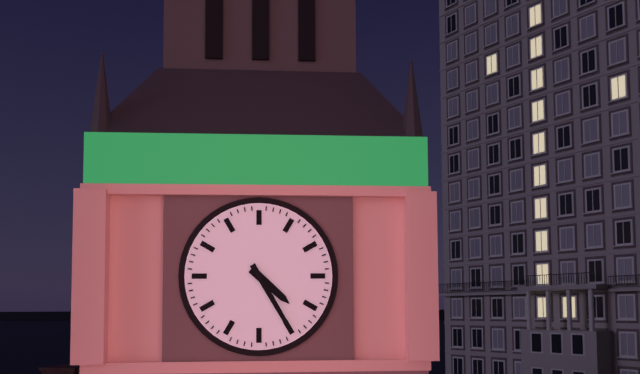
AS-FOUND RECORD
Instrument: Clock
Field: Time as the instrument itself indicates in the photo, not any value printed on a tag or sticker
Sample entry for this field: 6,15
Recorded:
4,25
